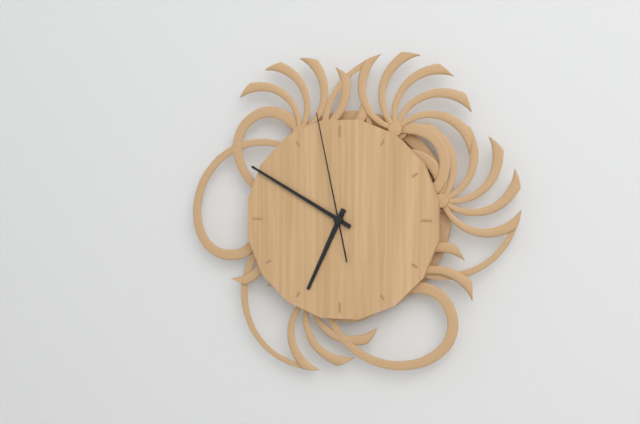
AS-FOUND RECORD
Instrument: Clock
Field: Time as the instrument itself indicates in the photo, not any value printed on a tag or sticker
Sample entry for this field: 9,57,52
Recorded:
6,50,58
